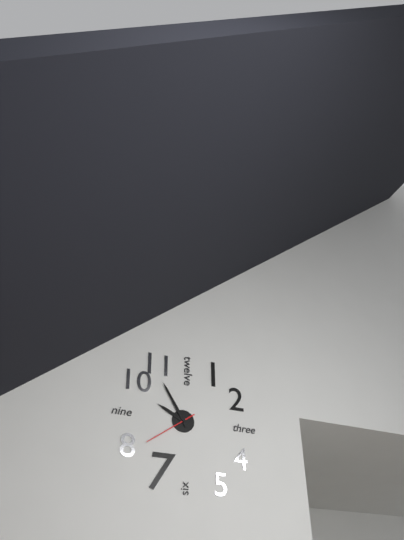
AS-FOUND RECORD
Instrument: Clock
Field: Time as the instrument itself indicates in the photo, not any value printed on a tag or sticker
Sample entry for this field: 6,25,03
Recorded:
9,55,39
